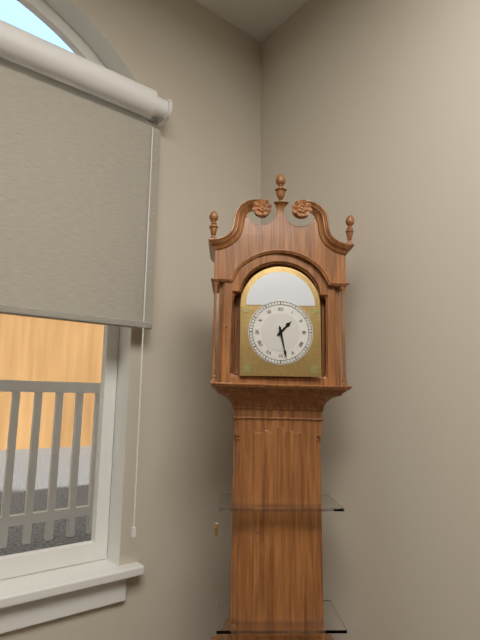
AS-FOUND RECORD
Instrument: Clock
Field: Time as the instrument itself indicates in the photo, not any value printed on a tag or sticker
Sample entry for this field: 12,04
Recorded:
1,28
